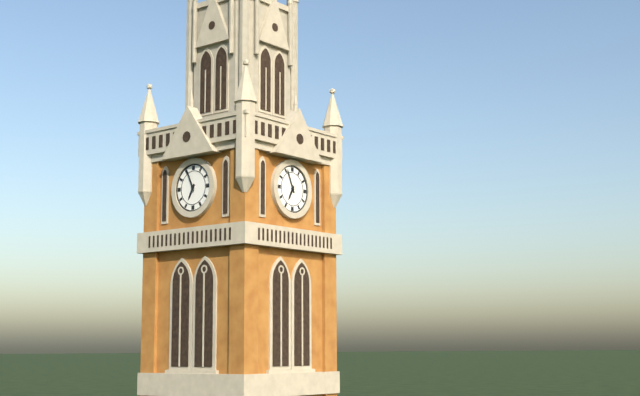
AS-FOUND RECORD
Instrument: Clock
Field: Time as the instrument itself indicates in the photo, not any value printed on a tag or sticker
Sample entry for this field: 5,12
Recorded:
6,56
